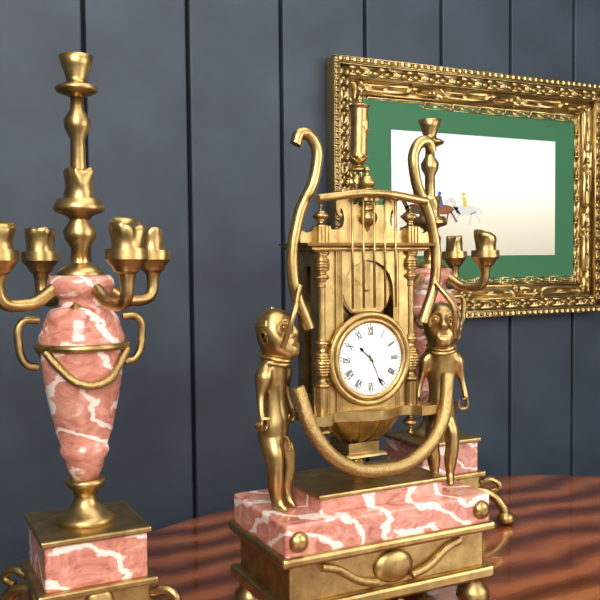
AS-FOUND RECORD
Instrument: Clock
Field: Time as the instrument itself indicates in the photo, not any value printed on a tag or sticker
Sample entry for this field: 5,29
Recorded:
10,26
